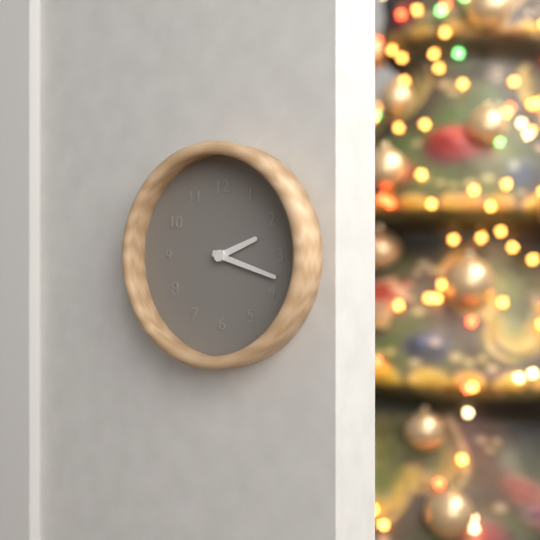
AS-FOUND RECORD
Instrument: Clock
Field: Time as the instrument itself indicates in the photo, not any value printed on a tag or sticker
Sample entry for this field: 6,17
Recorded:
2,18
